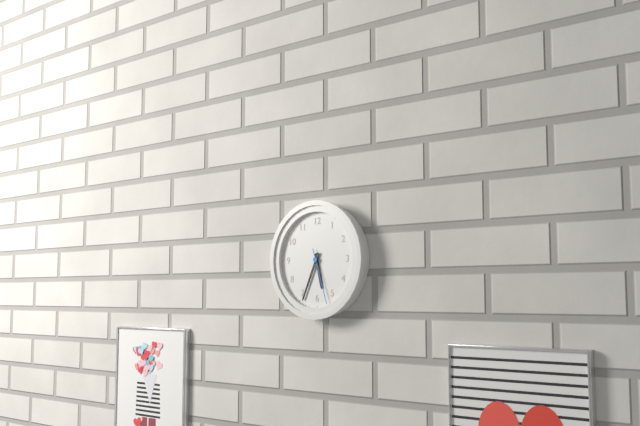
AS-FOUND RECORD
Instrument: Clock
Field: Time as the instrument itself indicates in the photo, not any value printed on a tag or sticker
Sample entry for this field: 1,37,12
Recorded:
5,34,27
